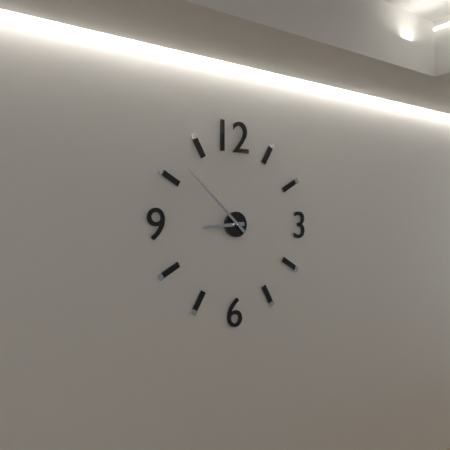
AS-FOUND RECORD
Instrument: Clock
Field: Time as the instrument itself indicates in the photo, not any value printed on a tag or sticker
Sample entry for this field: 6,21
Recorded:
8,52
